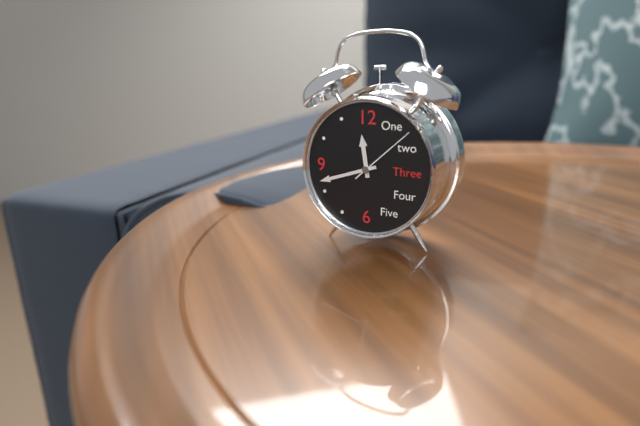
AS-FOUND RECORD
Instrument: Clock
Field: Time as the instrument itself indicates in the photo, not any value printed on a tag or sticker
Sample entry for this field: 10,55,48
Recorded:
11,42,08
